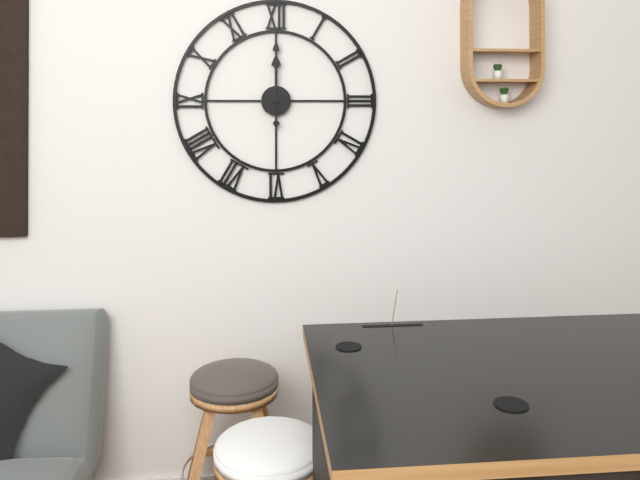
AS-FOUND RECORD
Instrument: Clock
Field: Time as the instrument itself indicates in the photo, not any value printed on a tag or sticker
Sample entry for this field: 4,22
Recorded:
12,00
